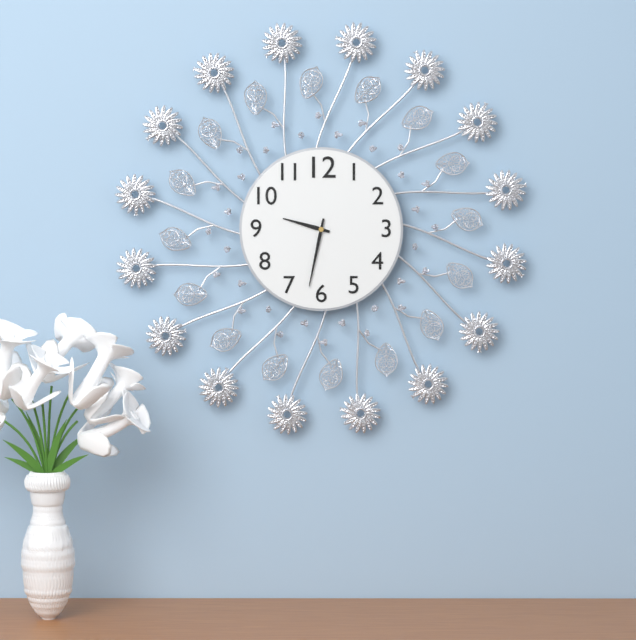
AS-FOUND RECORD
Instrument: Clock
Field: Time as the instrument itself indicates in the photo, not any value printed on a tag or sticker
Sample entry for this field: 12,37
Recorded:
9,32
